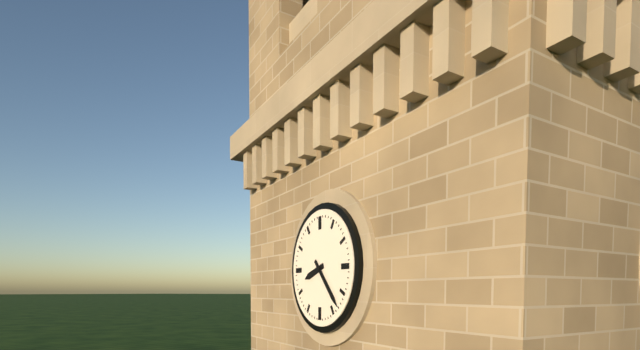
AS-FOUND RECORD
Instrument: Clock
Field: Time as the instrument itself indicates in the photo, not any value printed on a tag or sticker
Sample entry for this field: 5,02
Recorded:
8,23
